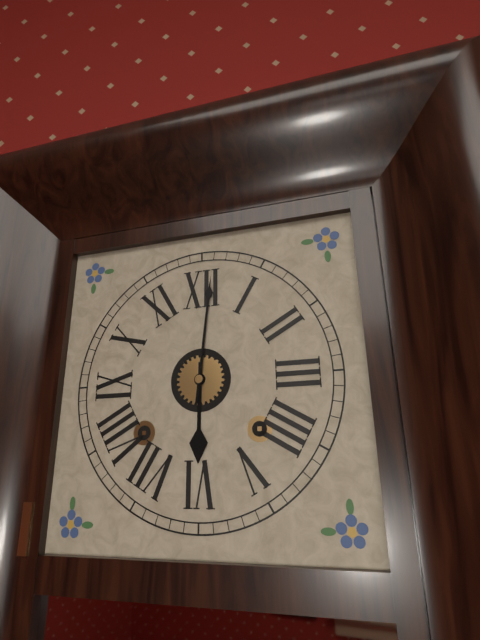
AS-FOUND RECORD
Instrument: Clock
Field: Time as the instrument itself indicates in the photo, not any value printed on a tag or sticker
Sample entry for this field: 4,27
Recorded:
6,01
